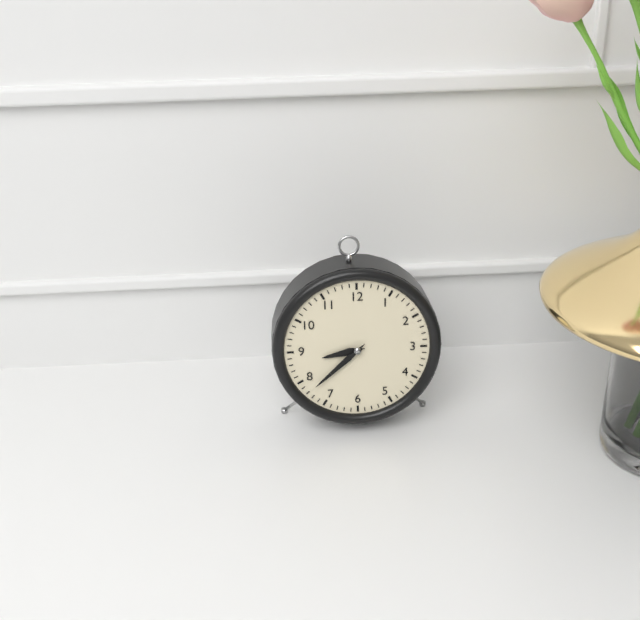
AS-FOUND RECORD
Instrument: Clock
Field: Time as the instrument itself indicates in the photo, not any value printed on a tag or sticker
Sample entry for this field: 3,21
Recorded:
8,38
